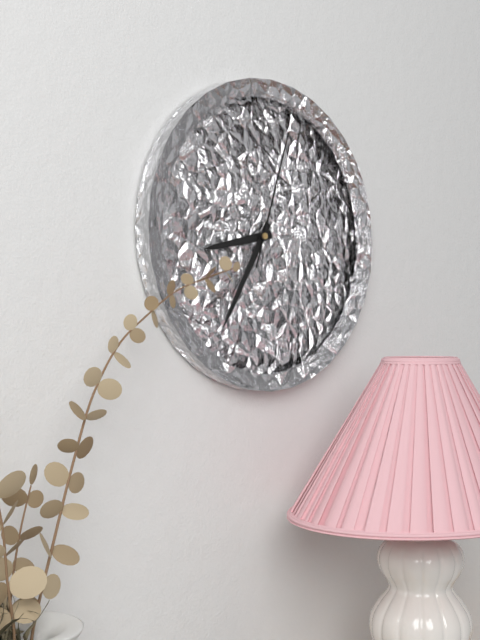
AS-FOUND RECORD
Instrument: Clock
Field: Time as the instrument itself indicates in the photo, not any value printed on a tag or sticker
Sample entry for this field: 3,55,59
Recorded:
8,35,03
